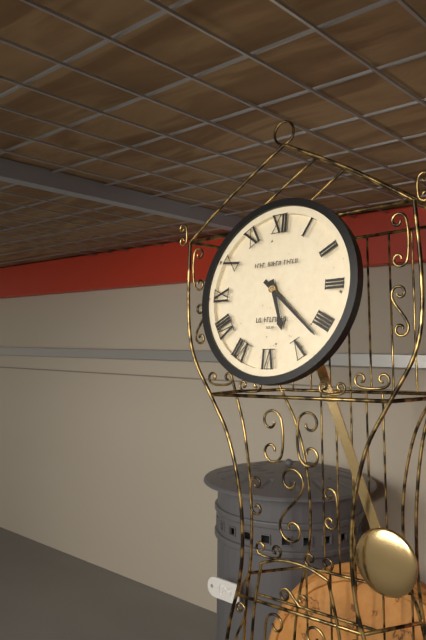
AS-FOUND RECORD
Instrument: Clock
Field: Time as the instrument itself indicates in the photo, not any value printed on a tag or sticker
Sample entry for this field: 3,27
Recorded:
5,22
